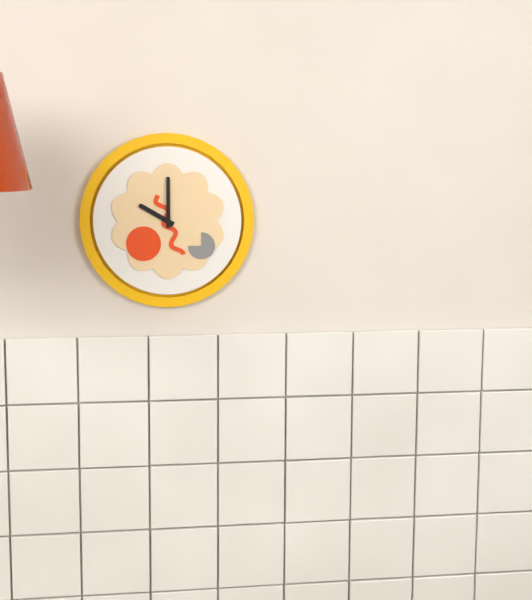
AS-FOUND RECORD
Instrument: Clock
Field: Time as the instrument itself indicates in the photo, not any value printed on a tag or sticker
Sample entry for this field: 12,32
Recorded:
10,00
